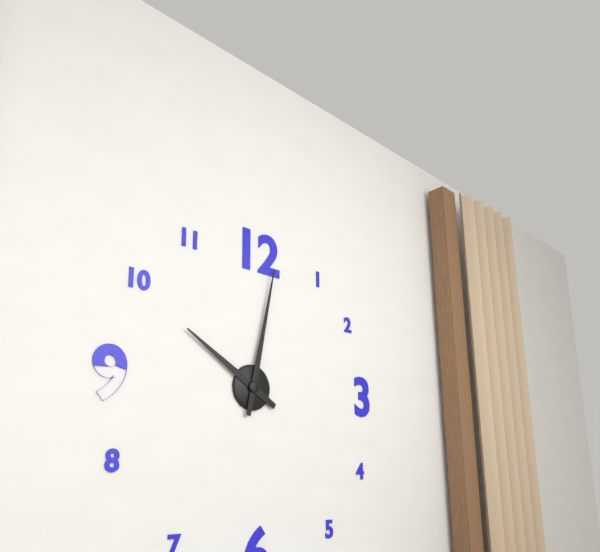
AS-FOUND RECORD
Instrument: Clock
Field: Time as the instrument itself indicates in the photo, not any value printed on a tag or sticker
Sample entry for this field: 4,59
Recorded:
10,02
